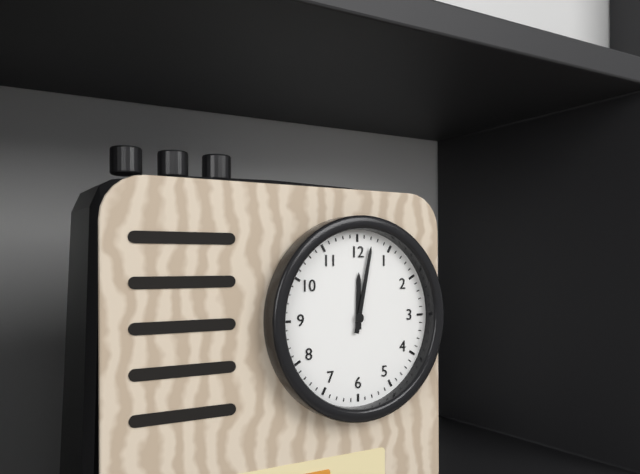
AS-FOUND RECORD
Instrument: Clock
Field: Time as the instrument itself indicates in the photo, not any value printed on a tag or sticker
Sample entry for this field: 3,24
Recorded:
12,02
